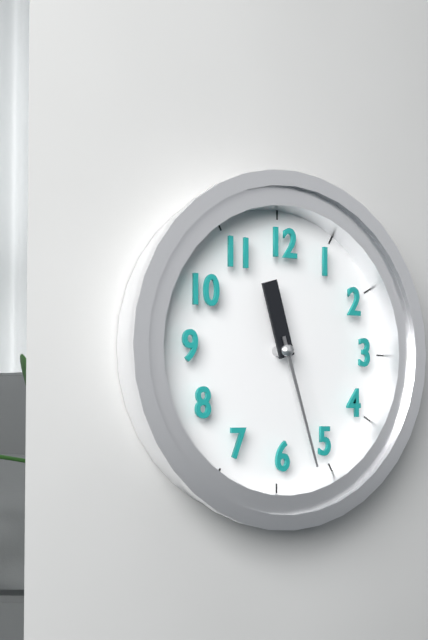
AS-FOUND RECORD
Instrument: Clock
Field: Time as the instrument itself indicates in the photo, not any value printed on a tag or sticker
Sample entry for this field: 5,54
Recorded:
11,27
